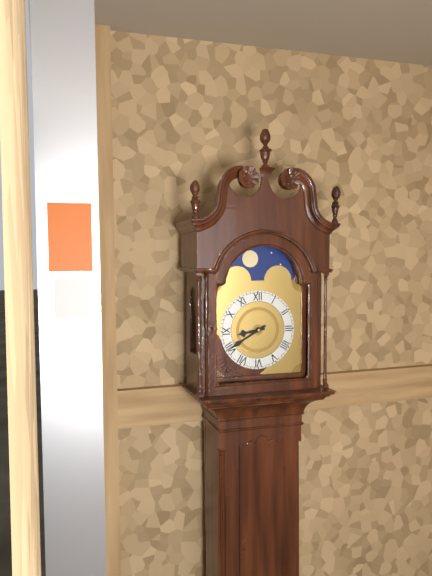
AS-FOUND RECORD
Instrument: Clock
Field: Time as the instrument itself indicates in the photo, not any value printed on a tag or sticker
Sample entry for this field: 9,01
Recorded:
8,40
